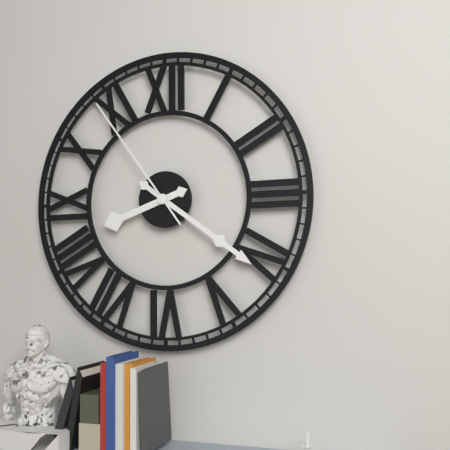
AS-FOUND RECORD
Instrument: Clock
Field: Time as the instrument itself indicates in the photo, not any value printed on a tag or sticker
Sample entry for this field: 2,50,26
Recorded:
8,21,54
